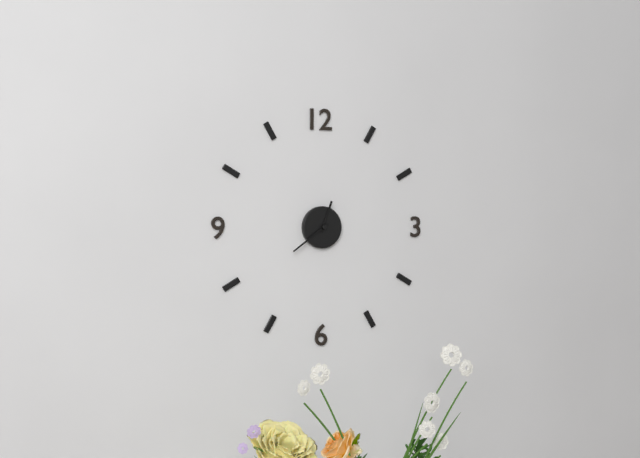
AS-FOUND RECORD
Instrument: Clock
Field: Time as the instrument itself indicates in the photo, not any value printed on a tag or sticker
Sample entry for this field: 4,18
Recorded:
12,39
